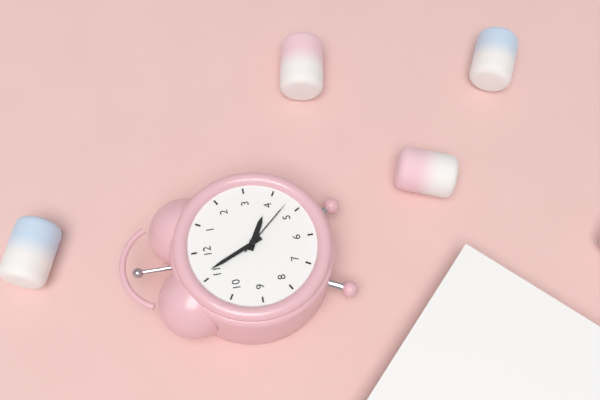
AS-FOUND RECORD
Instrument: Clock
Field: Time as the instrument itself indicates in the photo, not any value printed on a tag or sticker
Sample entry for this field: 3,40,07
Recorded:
3,56,23
